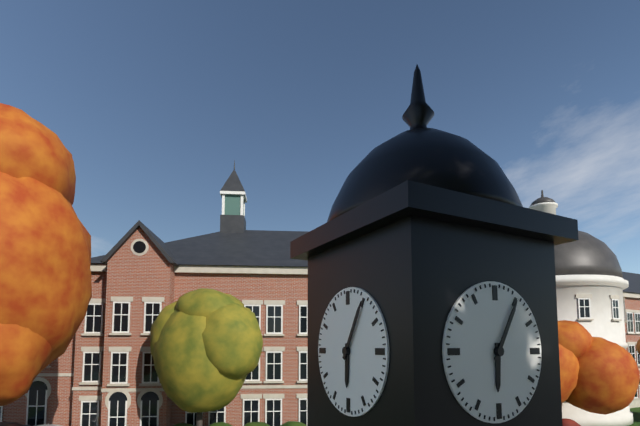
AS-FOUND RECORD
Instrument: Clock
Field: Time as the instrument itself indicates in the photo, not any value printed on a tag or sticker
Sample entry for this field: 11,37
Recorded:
6,05
